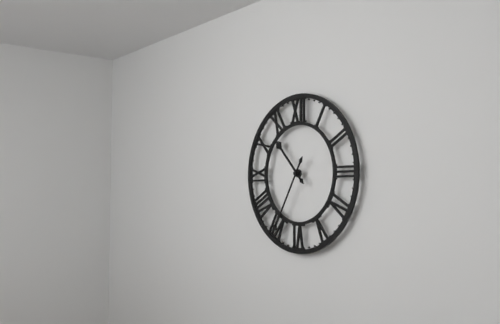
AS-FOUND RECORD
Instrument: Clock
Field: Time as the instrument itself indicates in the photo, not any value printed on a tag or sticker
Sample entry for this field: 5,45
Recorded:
10,35
